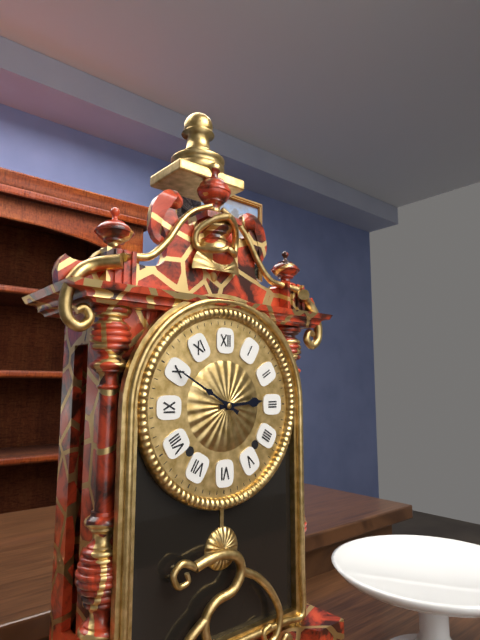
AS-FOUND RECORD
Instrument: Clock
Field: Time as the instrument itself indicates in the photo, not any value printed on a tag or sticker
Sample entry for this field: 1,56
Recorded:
2,50
